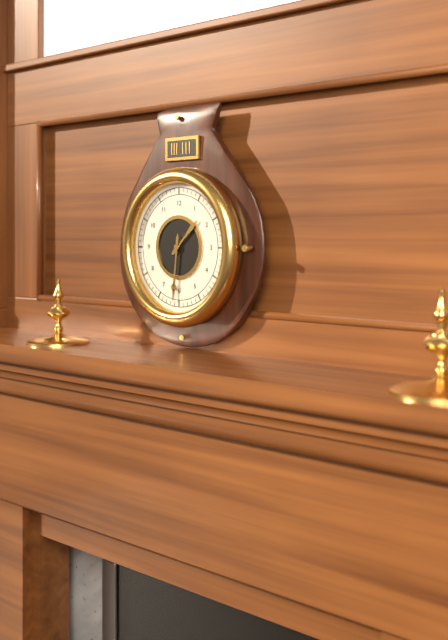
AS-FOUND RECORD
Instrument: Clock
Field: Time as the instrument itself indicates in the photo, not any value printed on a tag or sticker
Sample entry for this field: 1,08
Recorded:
1,31
